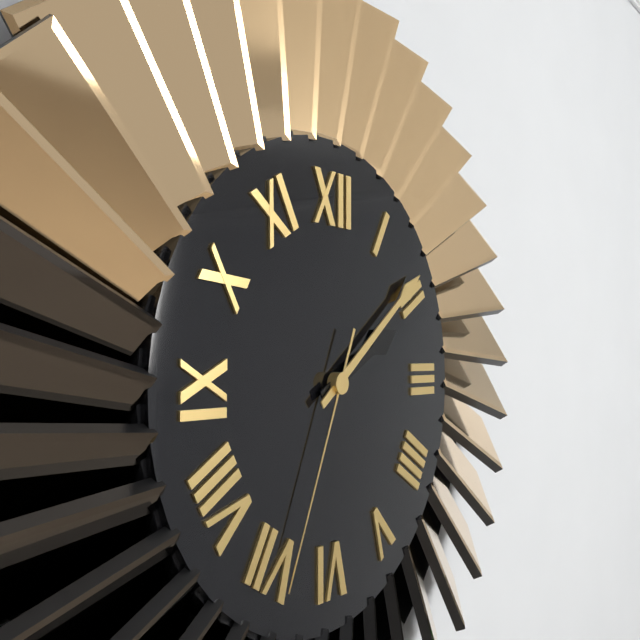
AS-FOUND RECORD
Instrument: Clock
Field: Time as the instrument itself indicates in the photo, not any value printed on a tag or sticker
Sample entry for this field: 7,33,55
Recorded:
2,09,34
